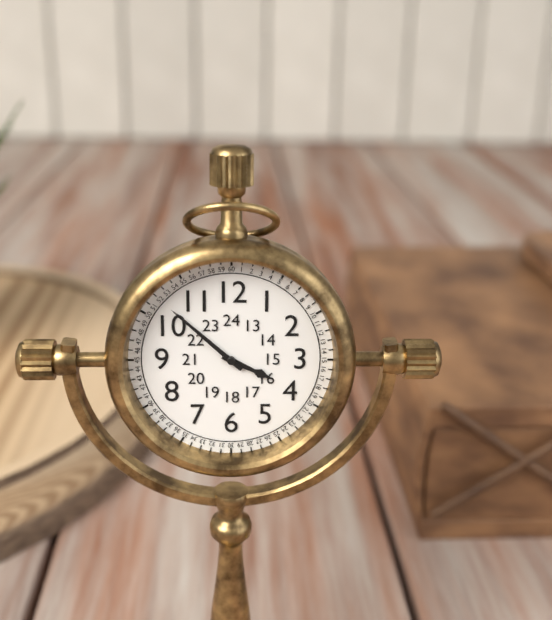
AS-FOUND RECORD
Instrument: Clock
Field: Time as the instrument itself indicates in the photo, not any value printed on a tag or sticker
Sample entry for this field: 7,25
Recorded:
3,52
